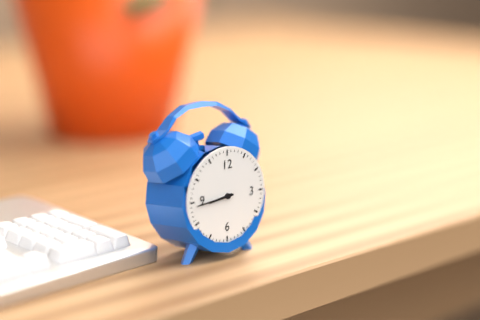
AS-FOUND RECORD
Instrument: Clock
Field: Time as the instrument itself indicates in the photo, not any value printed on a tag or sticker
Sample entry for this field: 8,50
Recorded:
8,44
